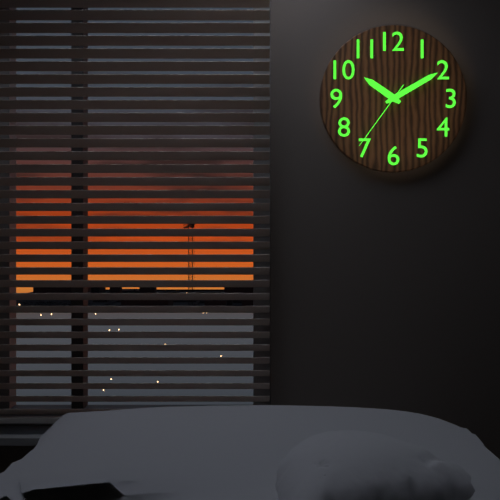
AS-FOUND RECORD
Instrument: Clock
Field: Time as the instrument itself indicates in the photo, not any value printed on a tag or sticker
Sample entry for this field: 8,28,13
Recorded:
10,10,36
